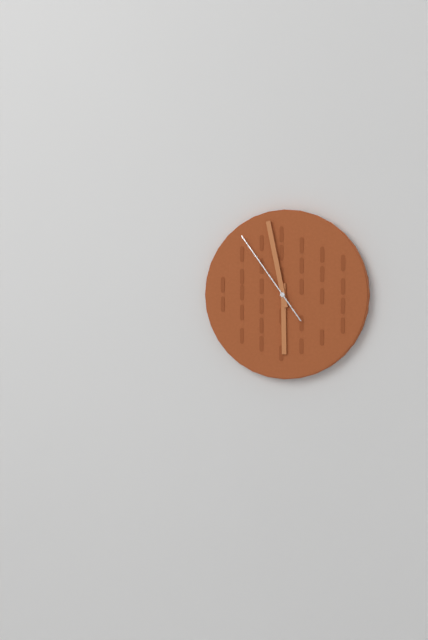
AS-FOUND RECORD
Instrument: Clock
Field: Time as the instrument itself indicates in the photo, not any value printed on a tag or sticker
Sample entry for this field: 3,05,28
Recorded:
5,58,54
